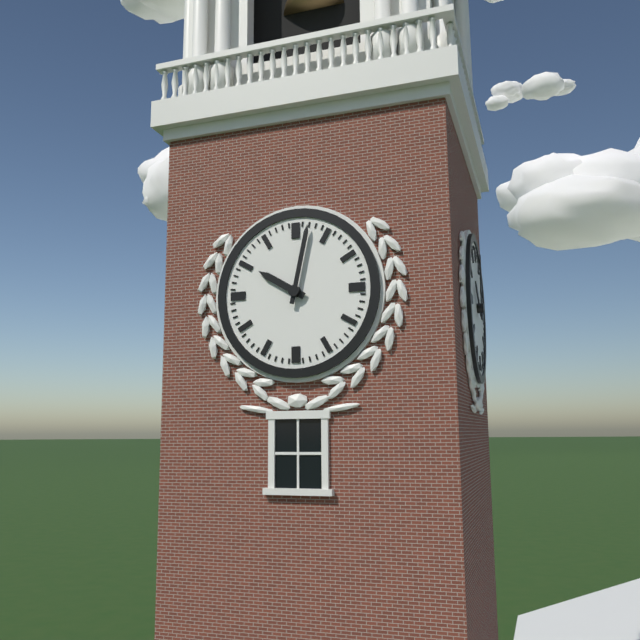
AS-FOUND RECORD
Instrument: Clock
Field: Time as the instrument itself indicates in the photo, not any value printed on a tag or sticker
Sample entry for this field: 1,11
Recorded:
10,02
